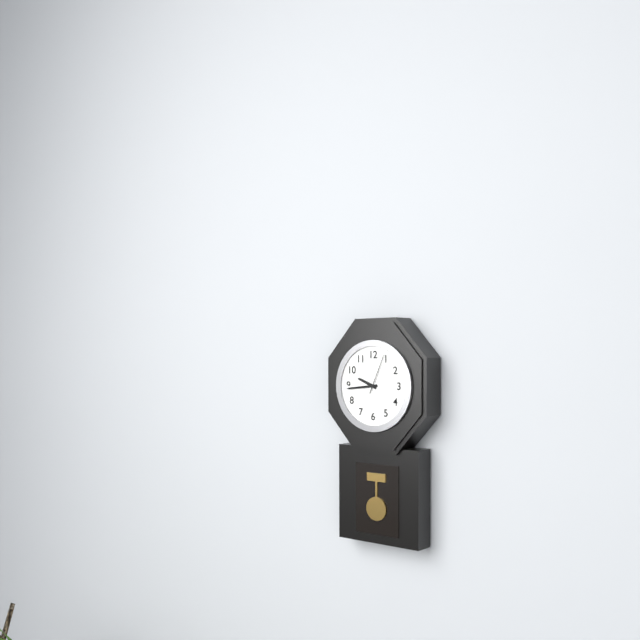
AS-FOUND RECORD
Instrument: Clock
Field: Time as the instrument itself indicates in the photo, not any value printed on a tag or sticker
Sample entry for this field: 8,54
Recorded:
9,44
